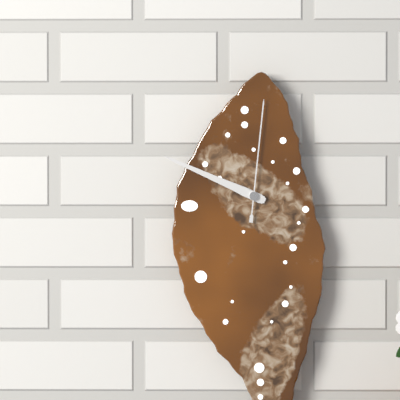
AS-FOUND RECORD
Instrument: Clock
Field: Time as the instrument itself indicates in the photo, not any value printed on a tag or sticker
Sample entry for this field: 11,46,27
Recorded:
9,49,01
